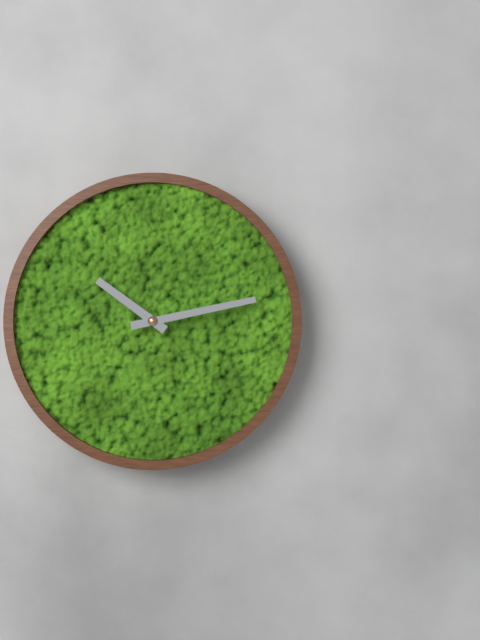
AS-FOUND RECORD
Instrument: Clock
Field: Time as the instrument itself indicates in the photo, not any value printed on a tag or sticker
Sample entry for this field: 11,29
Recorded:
10,13
